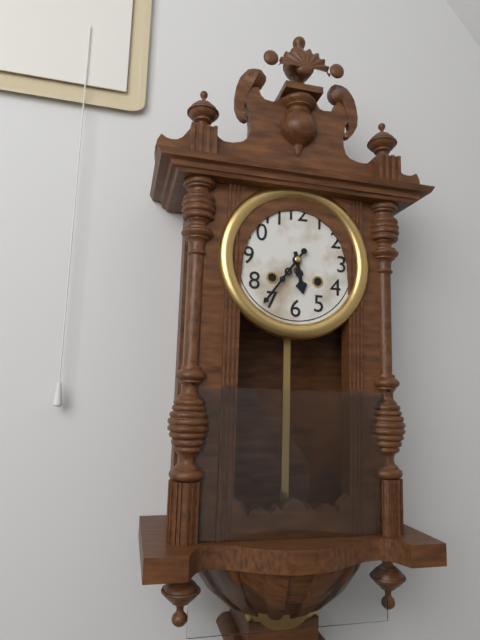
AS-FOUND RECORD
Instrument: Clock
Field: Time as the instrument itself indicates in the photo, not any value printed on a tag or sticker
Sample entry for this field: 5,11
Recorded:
5,36
